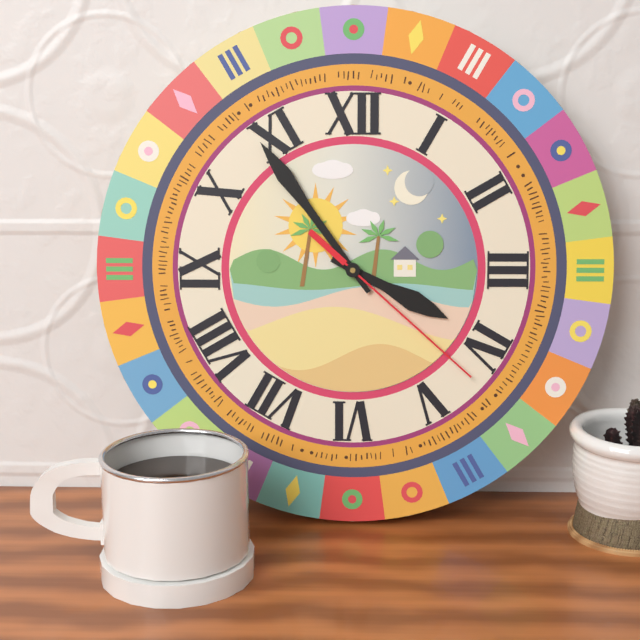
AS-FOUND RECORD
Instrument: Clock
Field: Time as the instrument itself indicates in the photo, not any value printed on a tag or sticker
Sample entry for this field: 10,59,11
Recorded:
3,54,22
